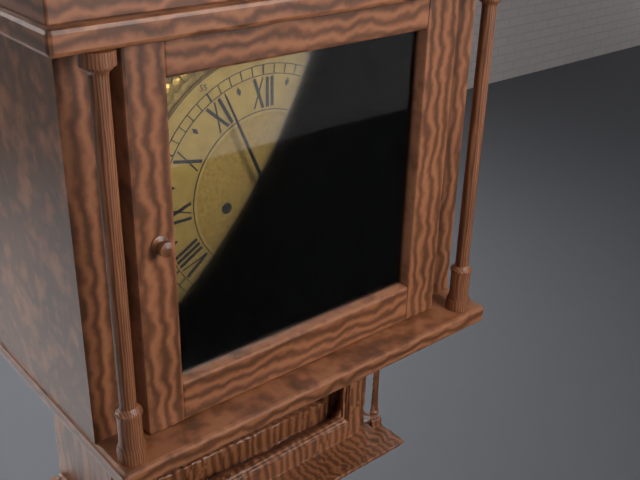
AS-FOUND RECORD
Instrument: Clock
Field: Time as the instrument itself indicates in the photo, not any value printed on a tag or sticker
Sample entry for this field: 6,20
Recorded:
4,56
